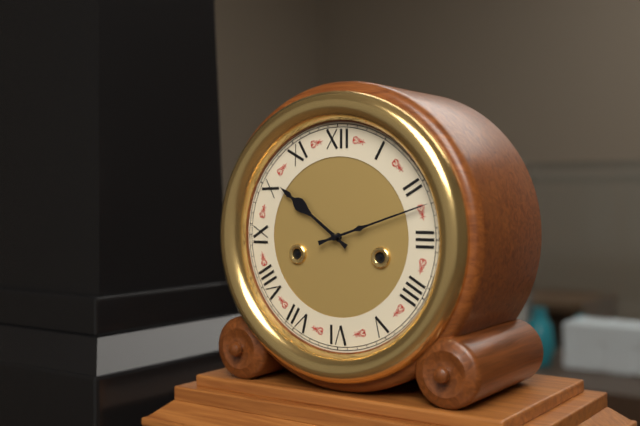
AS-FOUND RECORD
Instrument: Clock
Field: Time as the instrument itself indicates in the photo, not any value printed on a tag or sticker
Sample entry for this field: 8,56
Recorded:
10,12
